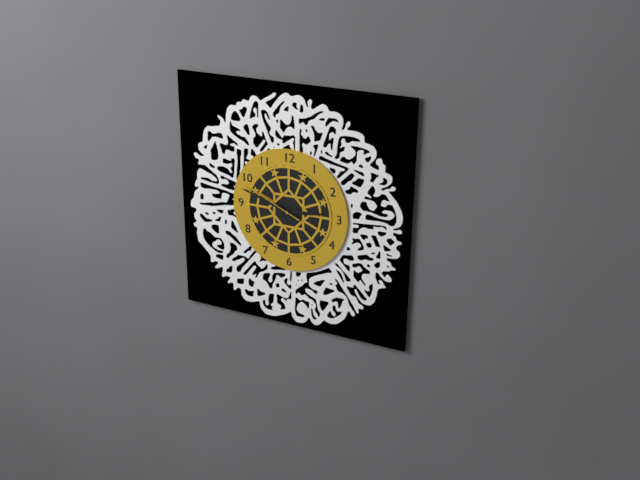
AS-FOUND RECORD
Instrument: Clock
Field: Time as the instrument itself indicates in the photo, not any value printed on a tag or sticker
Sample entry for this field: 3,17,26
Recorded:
2,48,49
